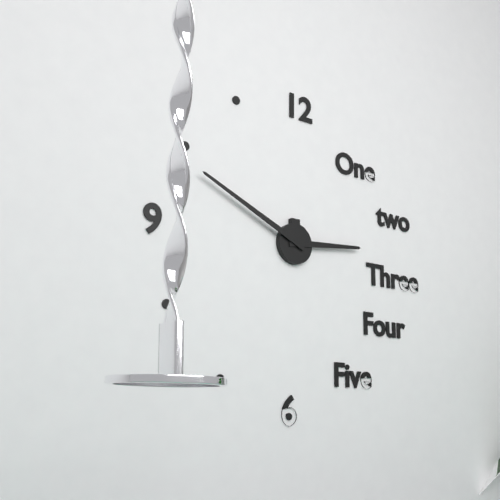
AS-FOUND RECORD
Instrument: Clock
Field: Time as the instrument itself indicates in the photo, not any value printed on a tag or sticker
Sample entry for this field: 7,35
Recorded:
2,49
